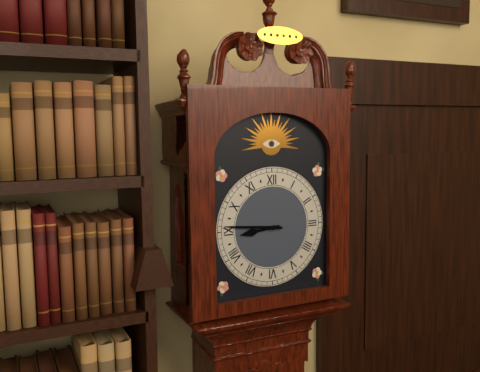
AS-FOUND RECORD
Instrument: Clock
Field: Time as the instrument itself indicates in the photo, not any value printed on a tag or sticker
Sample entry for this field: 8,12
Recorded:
8,46
